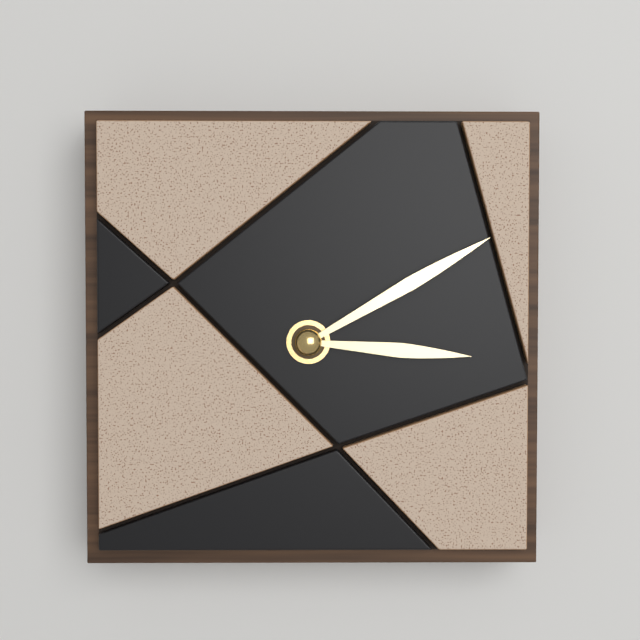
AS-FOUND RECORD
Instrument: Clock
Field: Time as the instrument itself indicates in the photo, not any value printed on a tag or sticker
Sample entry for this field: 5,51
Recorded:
3,10
